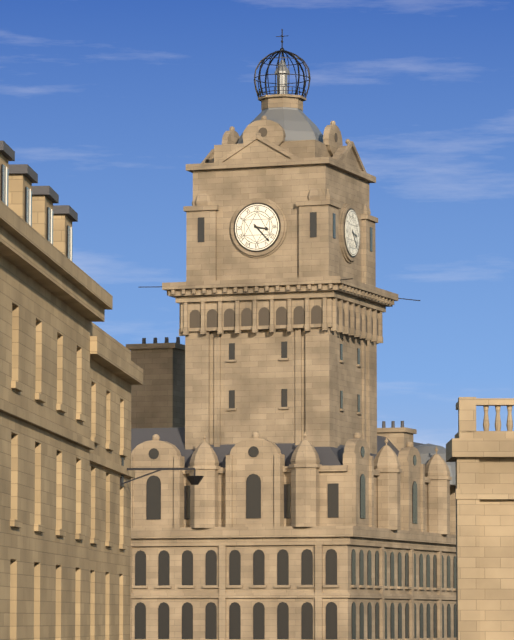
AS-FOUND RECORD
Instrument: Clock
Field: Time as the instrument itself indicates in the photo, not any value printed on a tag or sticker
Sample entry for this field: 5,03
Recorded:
3,23
